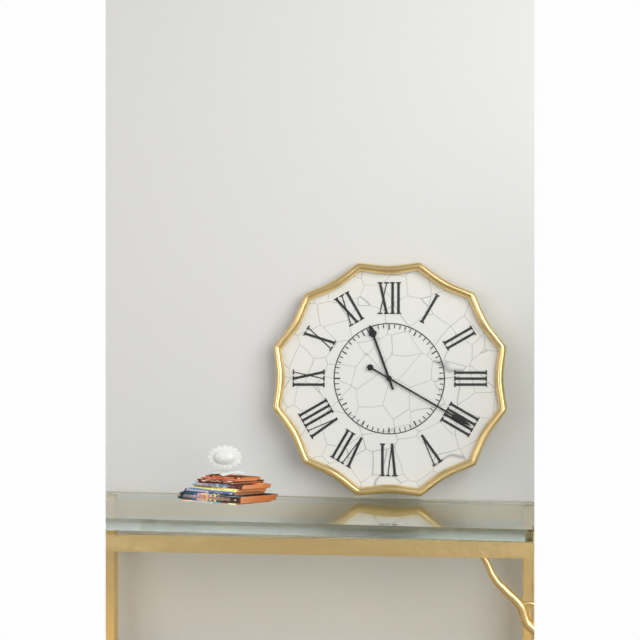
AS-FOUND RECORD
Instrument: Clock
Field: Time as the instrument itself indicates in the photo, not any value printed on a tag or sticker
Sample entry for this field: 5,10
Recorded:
11,20
